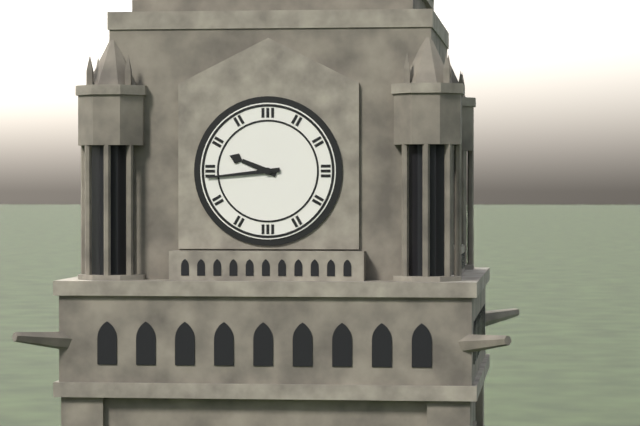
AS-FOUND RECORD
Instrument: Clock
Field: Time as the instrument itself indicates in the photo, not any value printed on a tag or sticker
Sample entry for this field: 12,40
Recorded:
9,44
